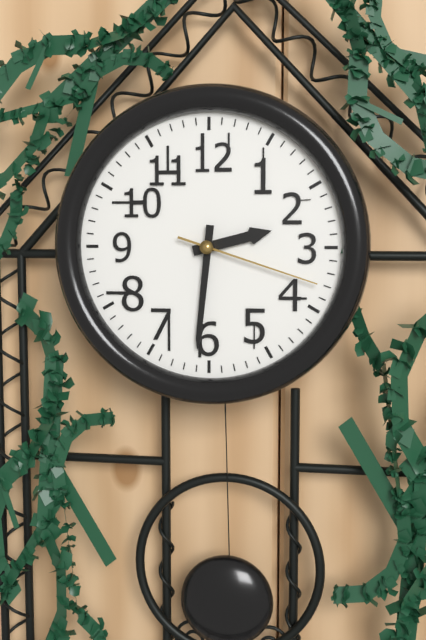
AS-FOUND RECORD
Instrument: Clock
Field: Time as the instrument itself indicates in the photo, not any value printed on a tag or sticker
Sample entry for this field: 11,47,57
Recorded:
2,31,18
